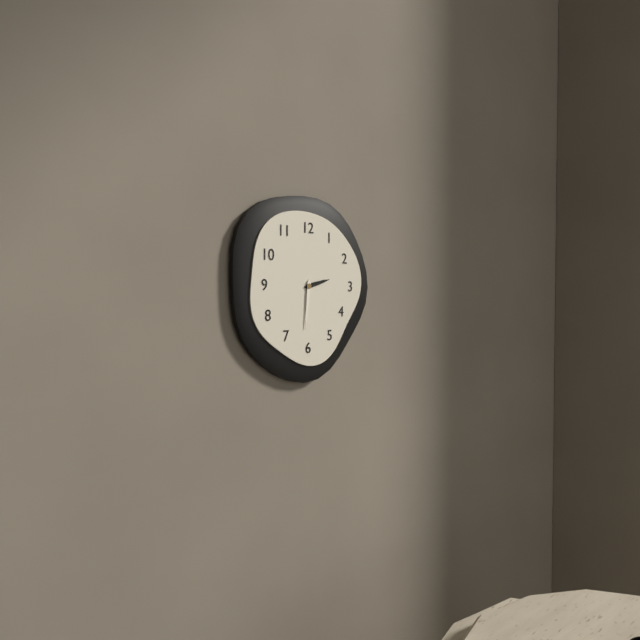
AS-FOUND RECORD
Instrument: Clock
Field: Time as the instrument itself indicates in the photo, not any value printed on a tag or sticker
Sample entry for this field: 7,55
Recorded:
2,31
